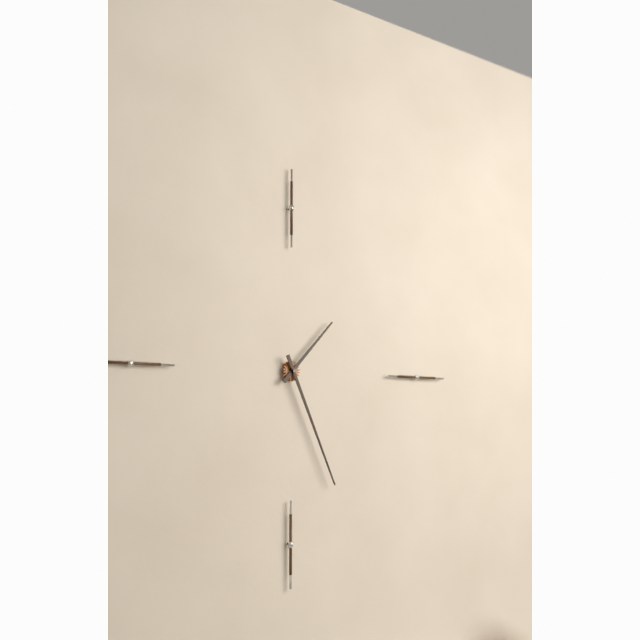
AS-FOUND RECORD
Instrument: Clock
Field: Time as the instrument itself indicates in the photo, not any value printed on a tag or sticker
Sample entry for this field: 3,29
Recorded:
1,26
